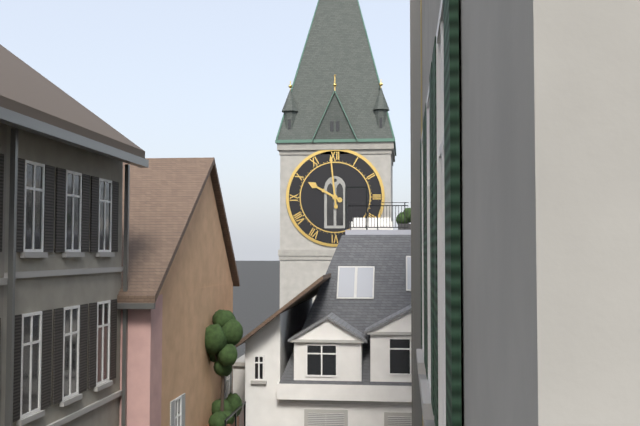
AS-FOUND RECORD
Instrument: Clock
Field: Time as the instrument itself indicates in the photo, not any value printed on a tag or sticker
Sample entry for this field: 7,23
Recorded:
9,59
